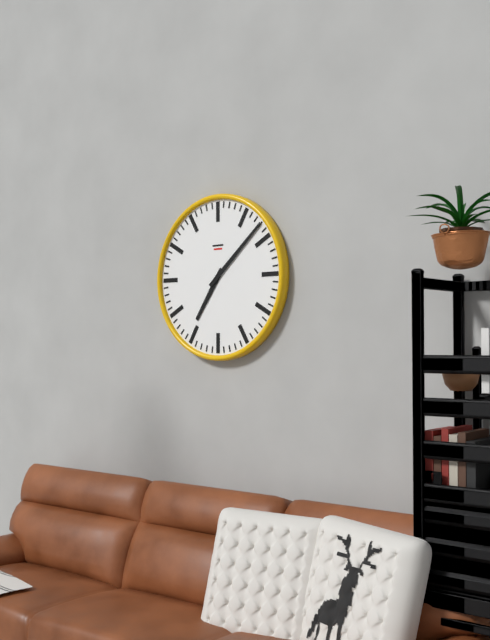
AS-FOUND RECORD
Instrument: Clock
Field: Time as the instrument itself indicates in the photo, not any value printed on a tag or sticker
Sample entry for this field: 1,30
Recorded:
7,08
